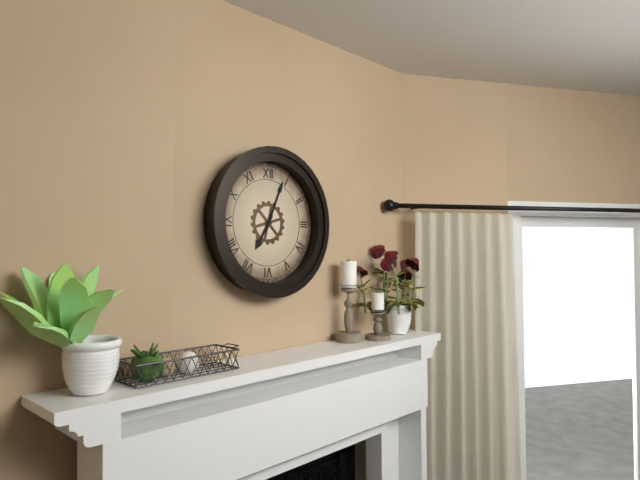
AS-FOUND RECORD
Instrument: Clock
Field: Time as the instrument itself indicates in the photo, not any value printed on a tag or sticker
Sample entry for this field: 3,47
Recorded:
7,04
